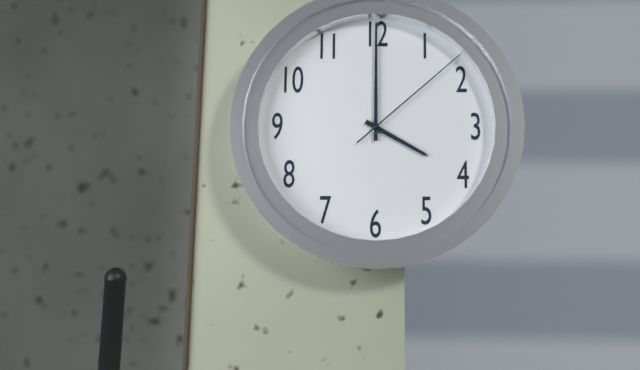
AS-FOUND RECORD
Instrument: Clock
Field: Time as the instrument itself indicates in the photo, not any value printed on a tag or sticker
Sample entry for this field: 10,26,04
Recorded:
4,00,08
